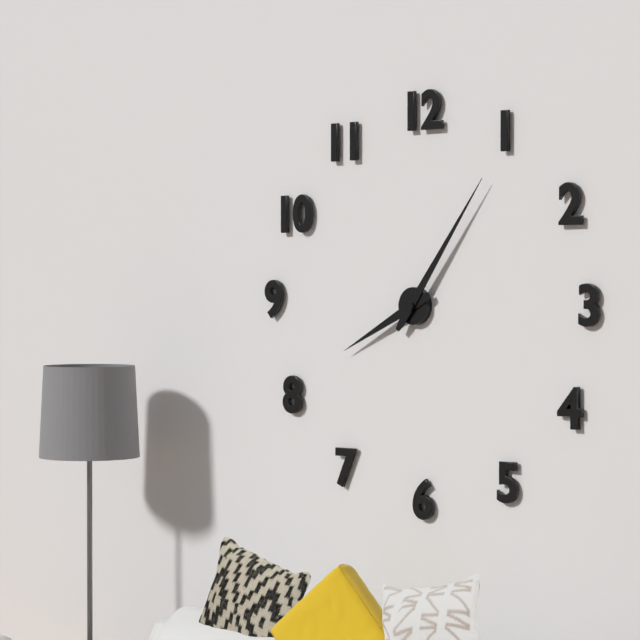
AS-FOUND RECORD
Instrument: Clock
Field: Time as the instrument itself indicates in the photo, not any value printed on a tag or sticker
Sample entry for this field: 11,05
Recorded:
8,06
